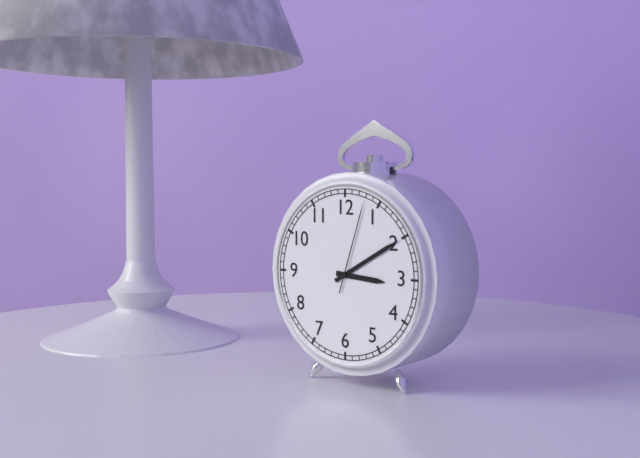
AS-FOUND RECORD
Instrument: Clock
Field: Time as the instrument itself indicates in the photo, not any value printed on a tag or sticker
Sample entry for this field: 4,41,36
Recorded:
3,10,03
